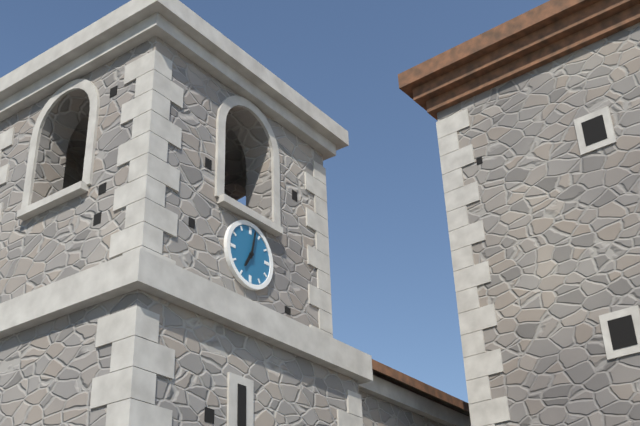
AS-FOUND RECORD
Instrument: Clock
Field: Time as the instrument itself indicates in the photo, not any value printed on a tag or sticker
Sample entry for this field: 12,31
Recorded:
7,02
